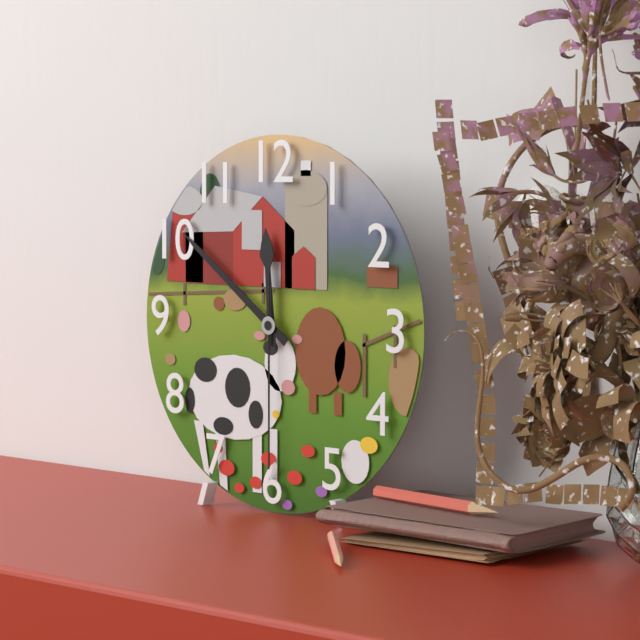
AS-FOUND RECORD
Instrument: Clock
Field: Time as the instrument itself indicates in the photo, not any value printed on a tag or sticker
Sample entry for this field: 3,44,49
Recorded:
11,51,30
